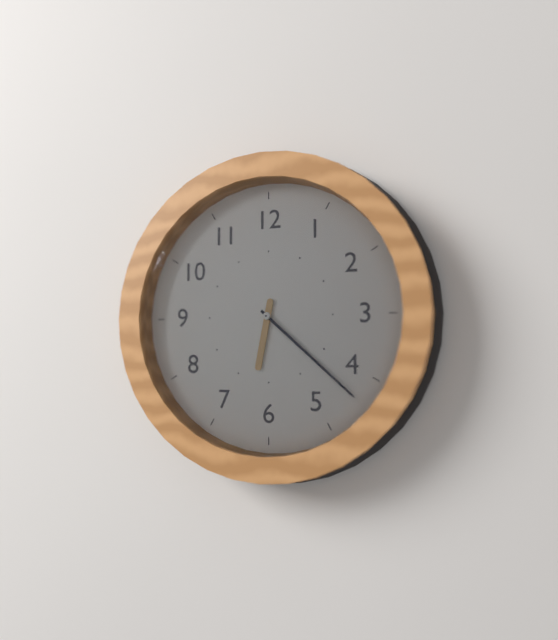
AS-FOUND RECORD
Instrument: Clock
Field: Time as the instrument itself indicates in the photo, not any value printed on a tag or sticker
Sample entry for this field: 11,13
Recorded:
6,22
